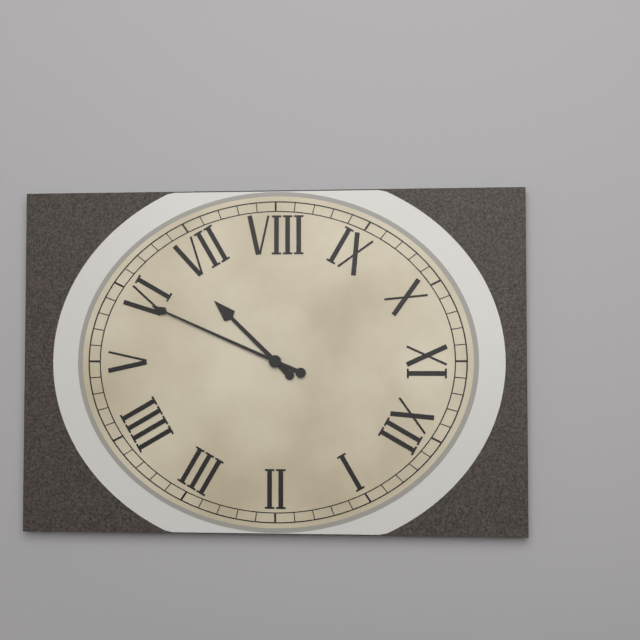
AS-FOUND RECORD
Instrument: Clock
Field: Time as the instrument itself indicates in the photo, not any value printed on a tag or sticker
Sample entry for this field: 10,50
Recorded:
6,29
